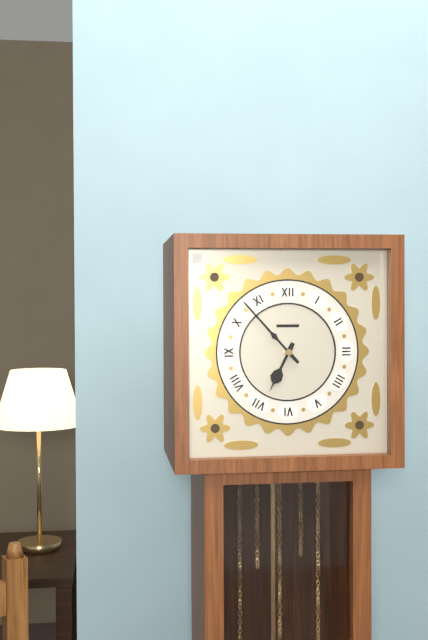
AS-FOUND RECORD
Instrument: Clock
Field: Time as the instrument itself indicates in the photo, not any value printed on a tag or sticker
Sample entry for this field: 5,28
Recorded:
6,53
